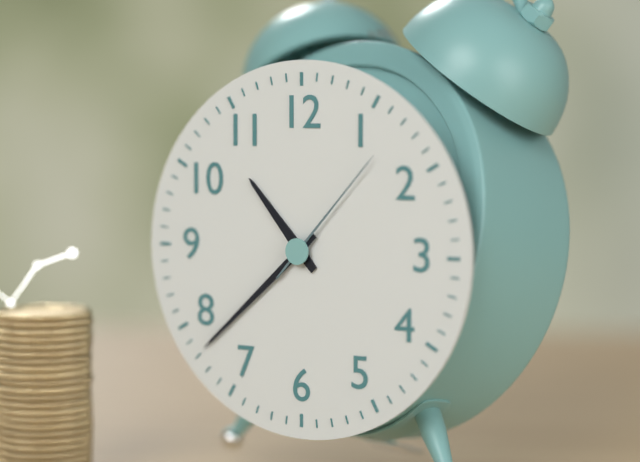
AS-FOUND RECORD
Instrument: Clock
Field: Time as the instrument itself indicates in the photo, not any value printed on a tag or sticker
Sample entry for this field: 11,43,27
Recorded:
10,38,07
